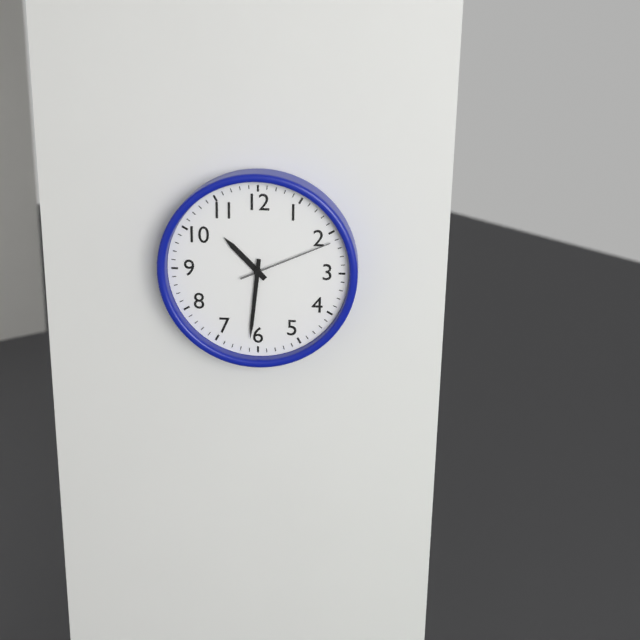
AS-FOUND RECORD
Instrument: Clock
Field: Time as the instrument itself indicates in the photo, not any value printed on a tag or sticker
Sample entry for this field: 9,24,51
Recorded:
10,31,11
